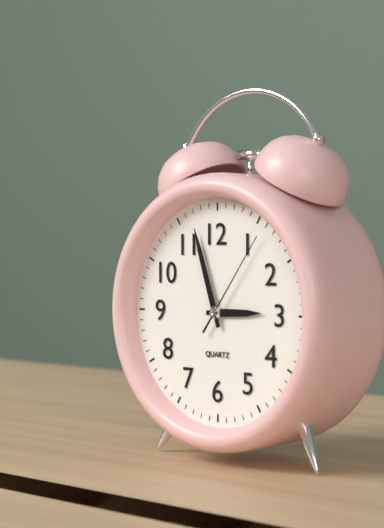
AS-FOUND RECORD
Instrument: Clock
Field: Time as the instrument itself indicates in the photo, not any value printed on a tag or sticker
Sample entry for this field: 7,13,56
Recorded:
2,57,06
